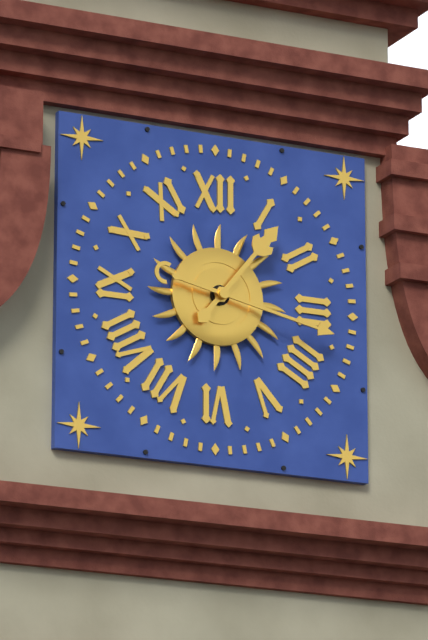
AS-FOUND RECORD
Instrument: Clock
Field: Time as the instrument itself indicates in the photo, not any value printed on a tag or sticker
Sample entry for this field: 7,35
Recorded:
1,17
